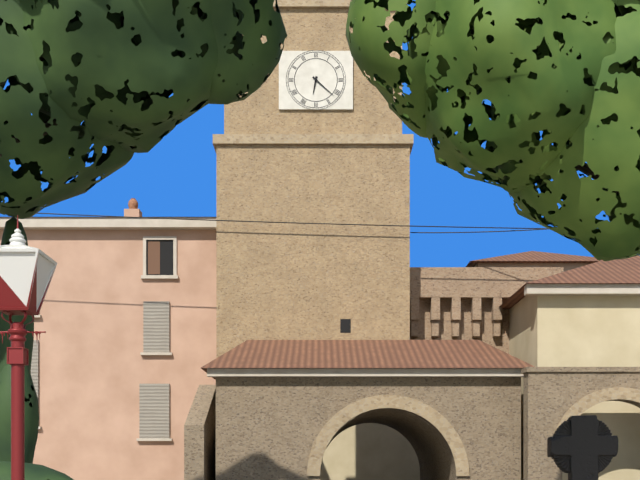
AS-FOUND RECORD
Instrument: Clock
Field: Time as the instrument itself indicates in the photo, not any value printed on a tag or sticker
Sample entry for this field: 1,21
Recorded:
6,22
